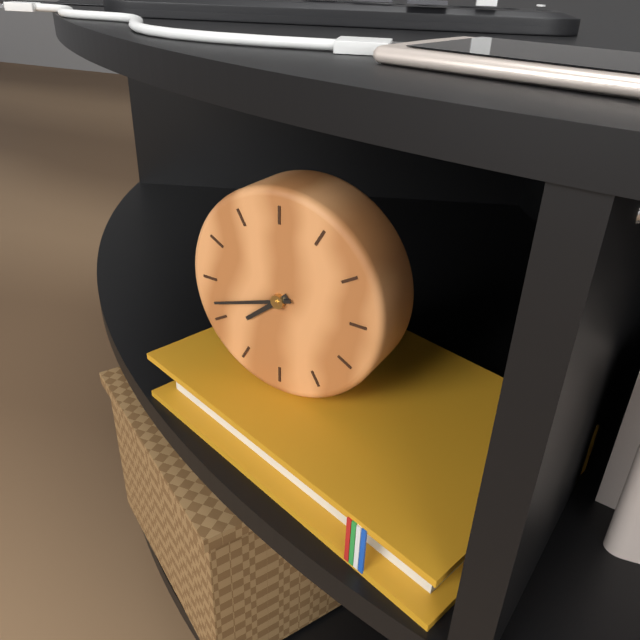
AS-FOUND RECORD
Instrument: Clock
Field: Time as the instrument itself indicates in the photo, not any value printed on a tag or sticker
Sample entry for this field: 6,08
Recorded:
7,42
